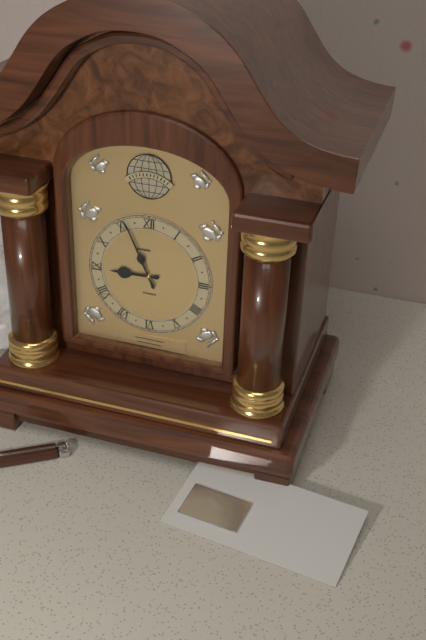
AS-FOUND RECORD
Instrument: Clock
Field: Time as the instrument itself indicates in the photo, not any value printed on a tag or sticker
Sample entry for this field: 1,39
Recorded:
8,56
